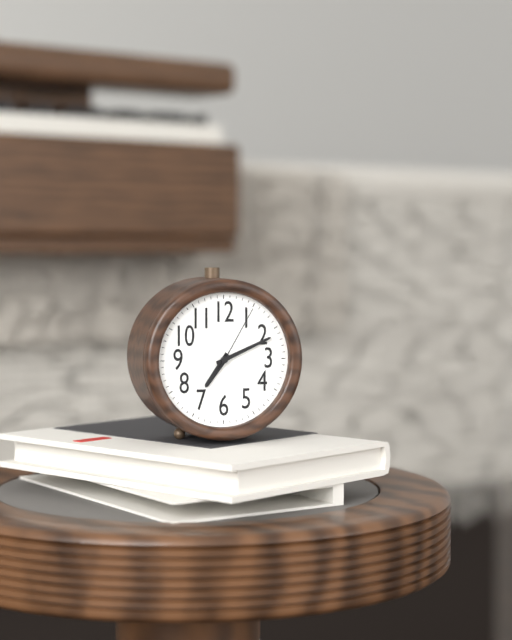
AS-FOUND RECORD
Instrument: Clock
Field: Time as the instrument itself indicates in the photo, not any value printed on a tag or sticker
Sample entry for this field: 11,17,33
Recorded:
7,11,05
